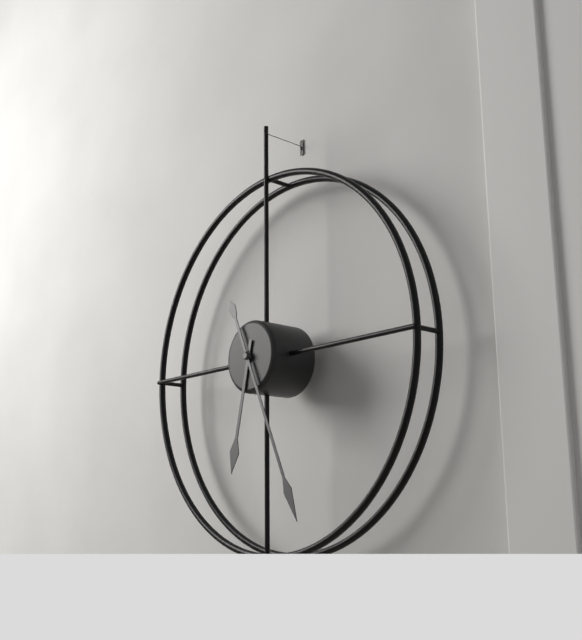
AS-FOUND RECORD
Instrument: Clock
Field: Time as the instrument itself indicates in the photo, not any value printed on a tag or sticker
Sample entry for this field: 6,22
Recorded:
6,26
